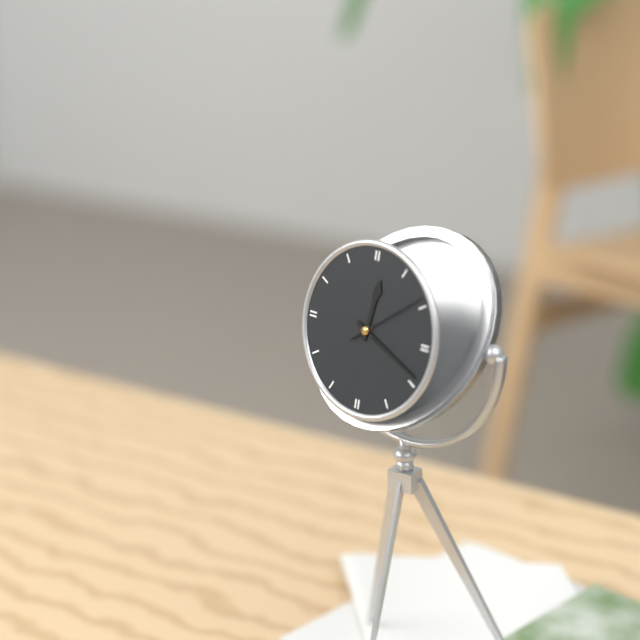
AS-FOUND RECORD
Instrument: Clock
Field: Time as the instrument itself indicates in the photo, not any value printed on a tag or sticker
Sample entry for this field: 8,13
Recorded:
12,19
